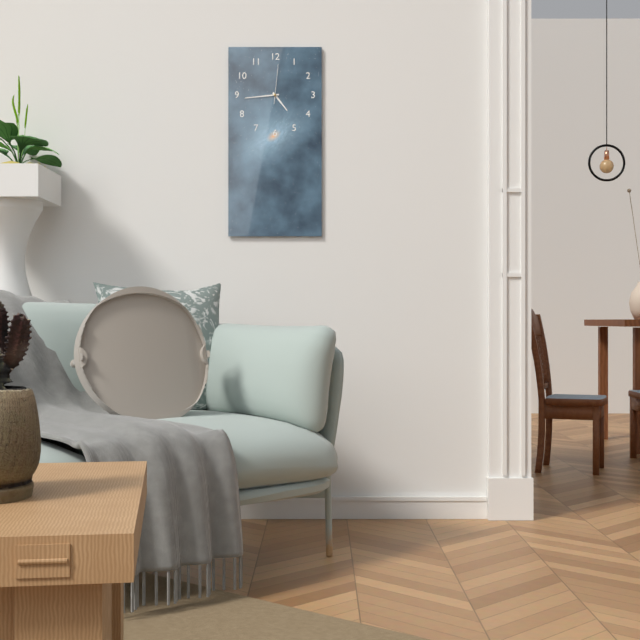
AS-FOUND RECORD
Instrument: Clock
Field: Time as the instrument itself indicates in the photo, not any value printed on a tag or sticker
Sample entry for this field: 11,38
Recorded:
4,44
